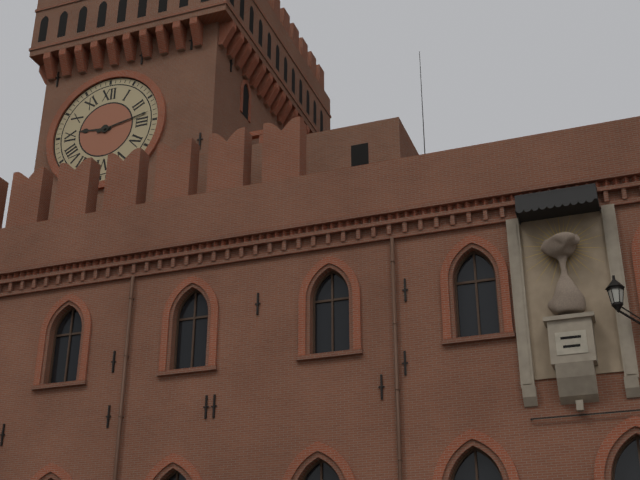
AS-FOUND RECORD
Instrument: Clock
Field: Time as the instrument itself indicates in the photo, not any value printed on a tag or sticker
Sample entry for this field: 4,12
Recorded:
9,13
